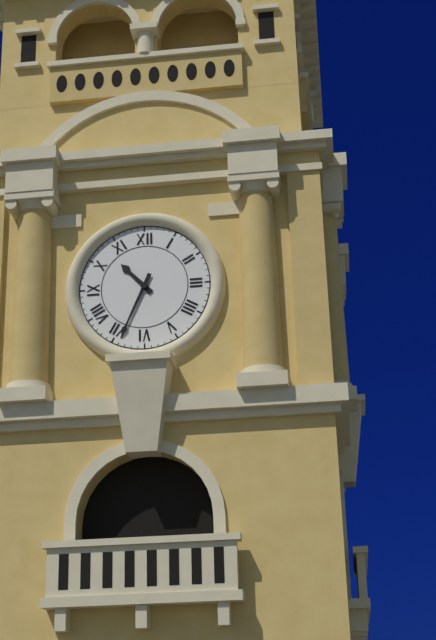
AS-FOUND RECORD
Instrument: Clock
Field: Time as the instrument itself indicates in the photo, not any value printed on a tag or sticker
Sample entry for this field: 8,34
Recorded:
10,34
